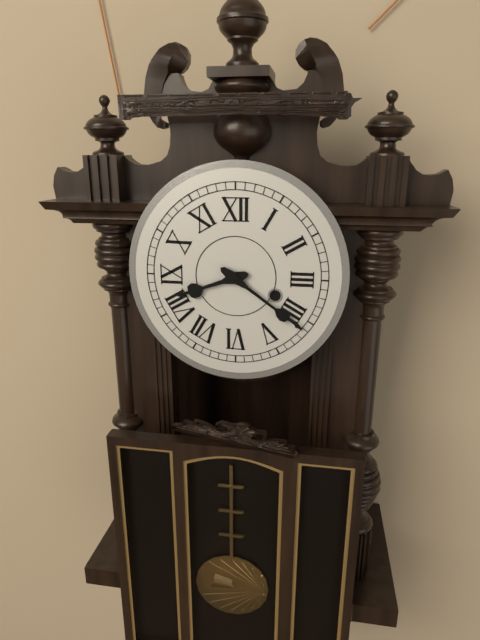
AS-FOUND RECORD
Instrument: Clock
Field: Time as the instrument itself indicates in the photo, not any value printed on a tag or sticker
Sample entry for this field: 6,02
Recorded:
8,21
